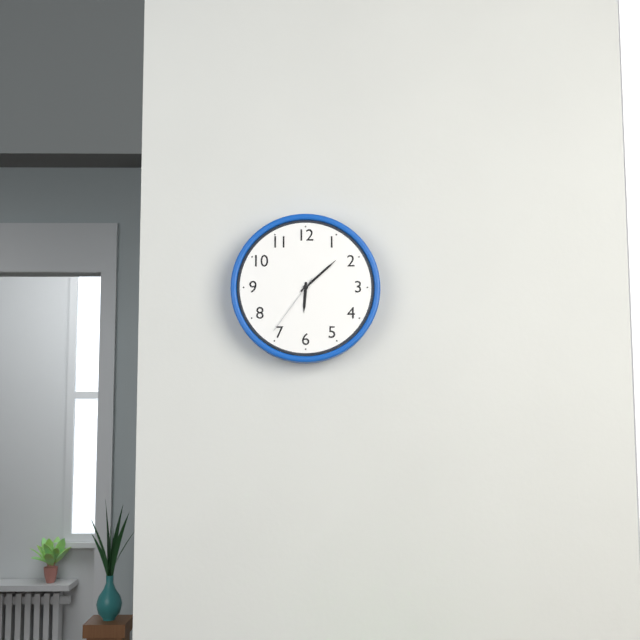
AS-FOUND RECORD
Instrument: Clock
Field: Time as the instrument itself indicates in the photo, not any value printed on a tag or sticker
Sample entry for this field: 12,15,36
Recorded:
6,08,36
